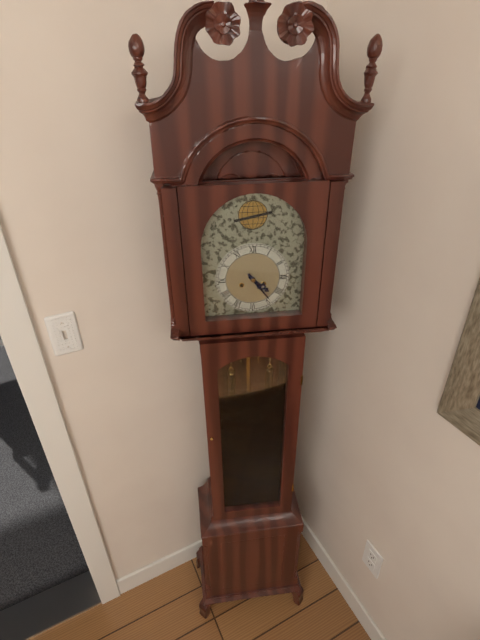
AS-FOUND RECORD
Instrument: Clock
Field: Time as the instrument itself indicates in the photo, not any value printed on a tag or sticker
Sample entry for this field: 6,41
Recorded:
4,24
